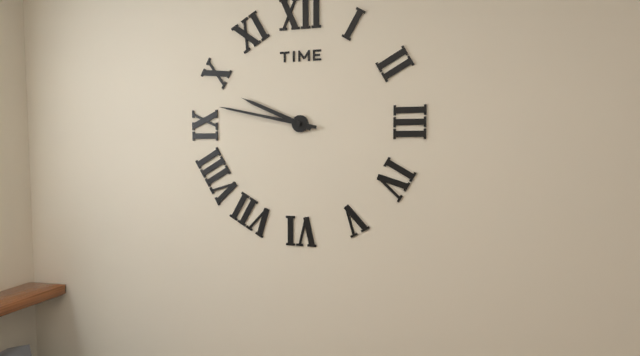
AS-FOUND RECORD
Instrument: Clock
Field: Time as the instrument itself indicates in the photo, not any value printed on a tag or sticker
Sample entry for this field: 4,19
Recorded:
9,47
